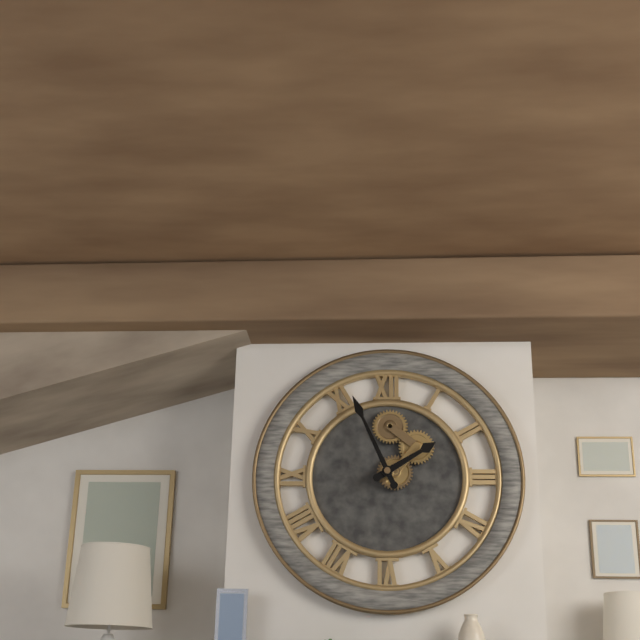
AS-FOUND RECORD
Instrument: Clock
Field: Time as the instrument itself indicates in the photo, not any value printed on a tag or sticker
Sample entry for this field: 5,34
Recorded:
1,56
